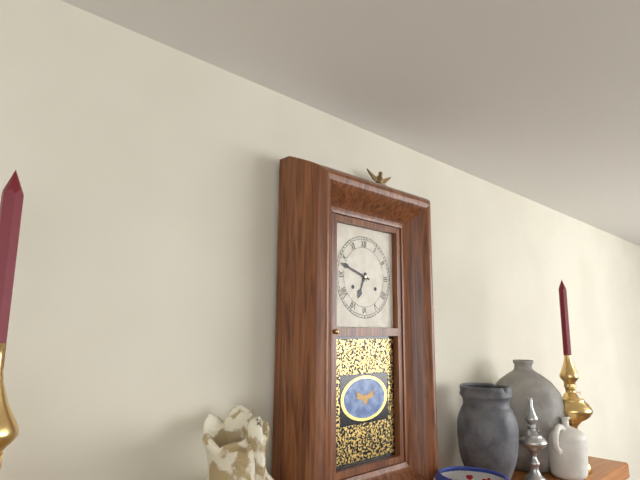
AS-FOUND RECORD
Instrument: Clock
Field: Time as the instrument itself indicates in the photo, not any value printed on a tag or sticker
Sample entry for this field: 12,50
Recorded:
6,48
